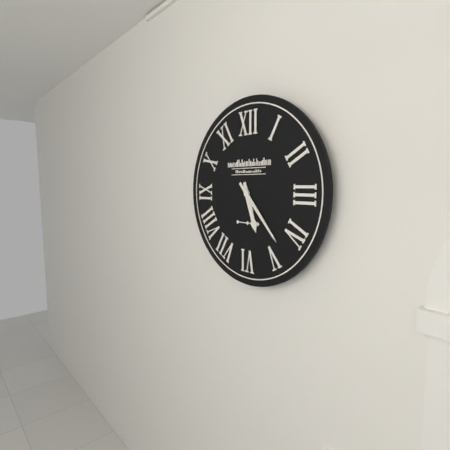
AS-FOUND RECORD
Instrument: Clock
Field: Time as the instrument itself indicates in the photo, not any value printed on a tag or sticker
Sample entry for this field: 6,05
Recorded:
5,23
